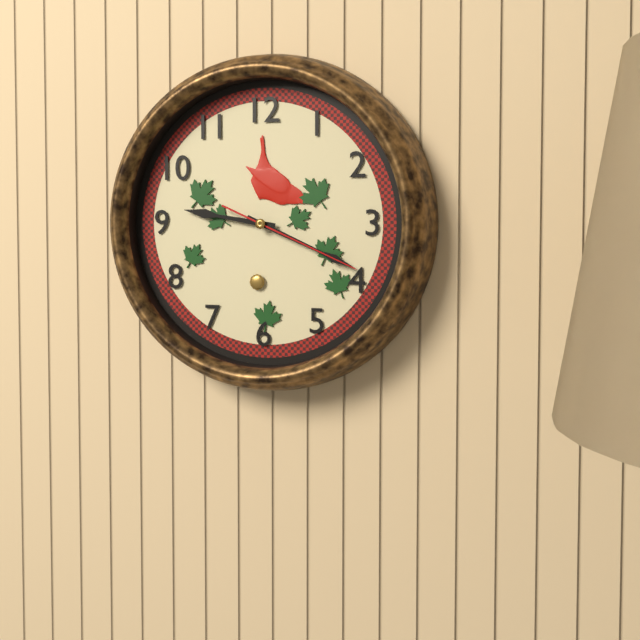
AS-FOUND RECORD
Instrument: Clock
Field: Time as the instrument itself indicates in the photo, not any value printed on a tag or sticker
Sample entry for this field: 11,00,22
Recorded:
9,19,19
